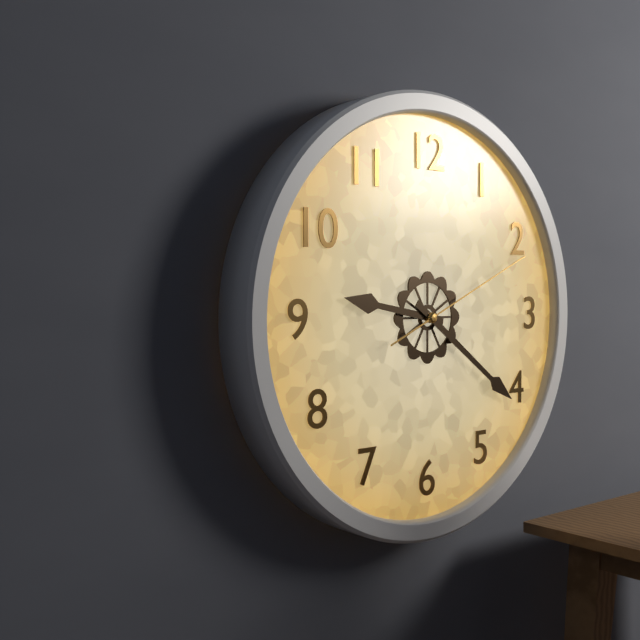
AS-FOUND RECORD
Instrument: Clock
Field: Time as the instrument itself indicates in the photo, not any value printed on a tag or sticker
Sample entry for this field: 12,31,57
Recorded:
9,21,11
